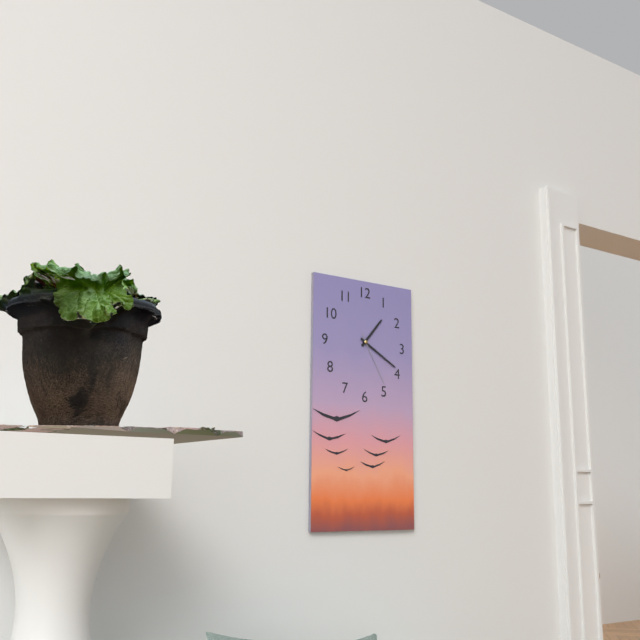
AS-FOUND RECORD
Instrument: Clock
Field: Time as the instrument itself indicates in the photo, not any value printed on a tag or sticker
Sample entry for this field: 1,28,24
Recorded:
1,20,25
